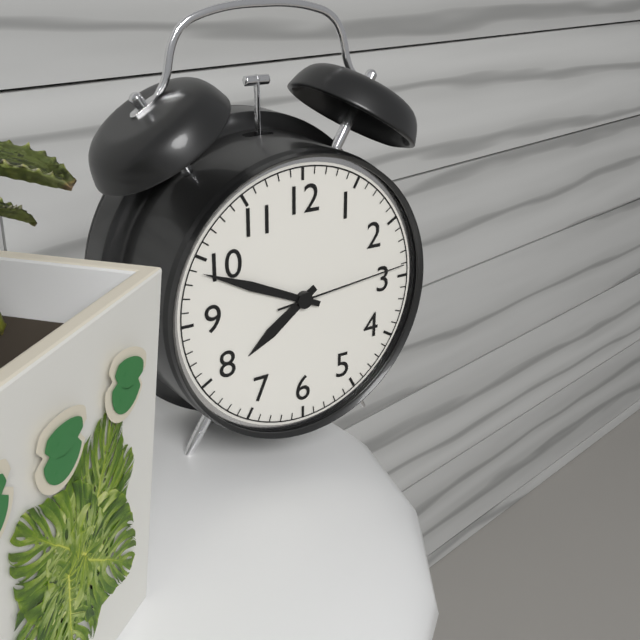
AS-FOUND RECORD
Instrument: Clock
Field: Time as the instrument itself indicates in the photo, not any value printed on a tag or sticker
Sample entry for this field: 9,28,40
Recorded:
7,49,14
